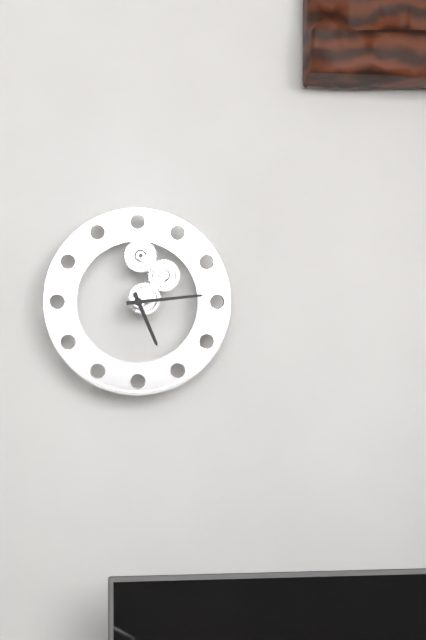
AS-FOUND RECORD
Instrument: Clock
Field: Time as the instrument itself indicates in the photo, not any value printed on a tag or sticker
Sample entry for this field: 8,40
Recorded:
5,14
